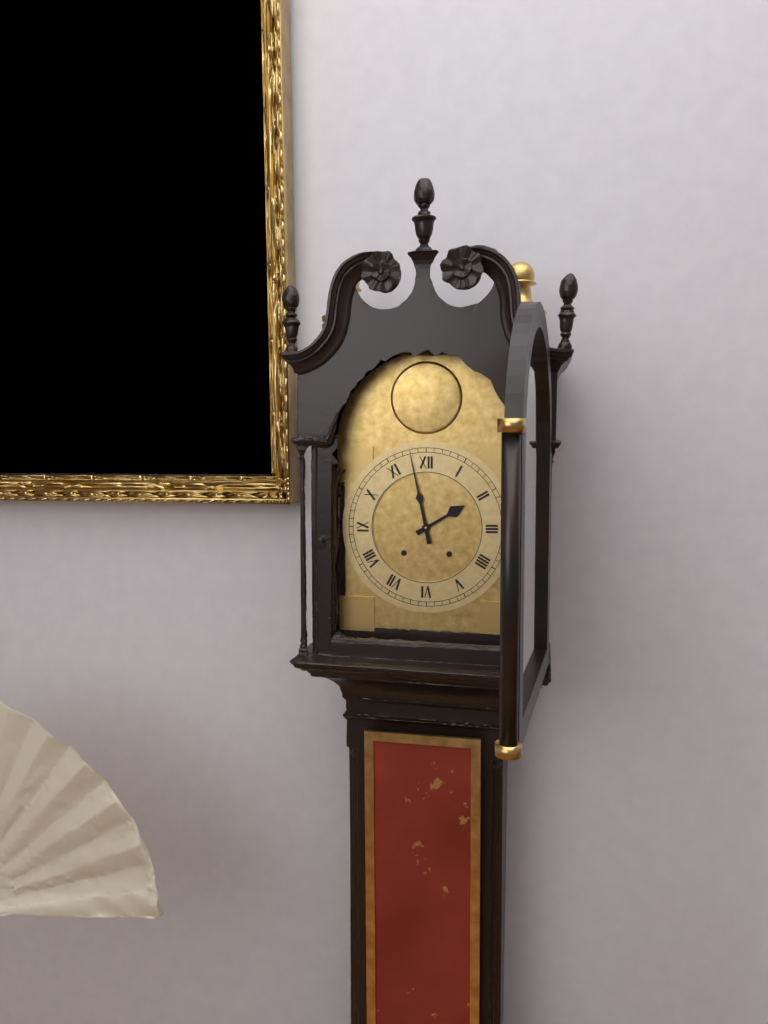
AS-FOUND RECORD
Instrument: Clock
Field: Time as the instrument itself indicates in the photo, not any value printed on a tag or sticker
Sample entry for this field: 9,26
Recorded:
1,58
